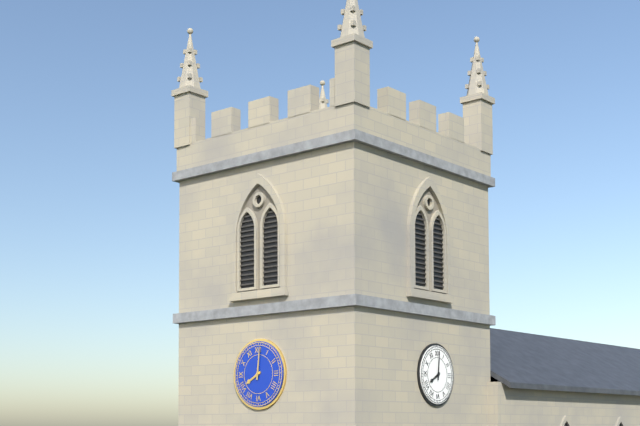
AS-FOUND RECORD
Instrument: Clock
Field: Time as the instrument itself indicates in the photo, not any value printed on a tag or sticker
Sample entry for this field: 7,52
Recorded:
8,01
